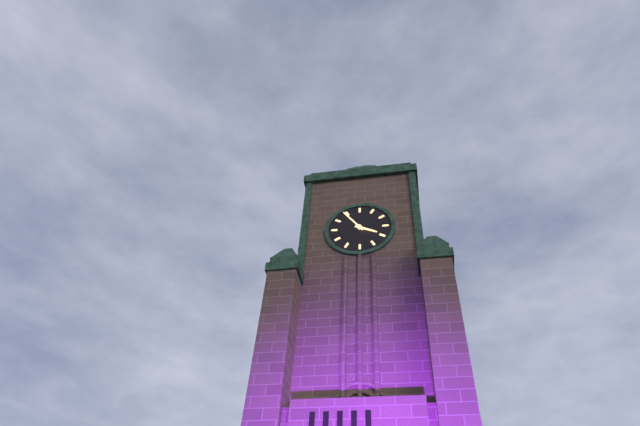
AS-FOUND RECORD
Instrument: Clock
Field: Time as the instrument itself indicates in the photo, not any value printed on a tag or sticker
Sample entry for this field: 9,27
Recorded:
3,54
